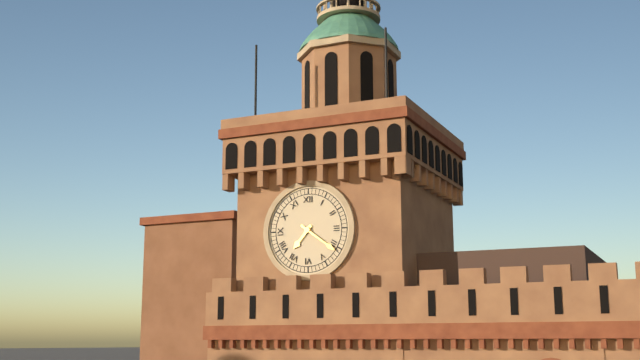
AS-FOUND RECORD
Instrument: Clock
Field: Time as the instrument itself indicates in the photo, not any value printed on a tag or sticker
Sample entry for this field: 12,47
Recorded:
7,21
